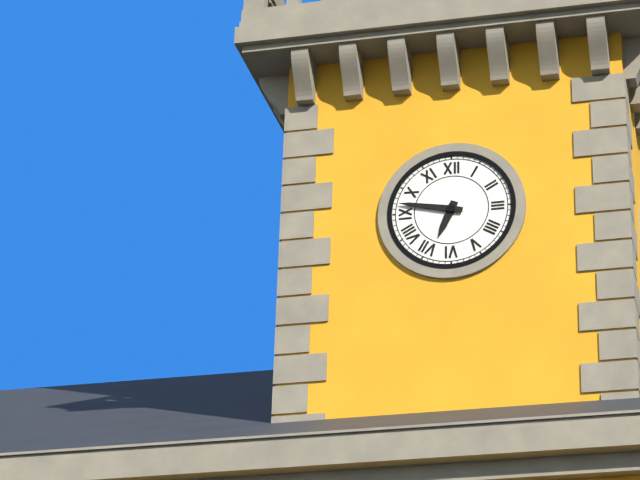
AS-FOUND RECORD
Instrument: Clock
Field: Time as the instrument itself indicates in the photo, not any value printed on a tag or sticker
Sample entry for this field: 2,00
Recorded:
6,47
